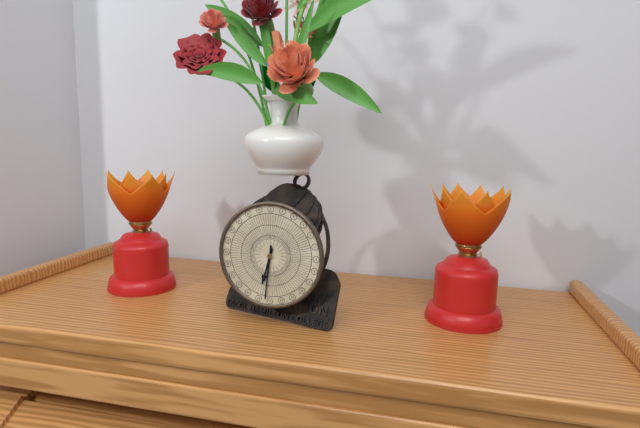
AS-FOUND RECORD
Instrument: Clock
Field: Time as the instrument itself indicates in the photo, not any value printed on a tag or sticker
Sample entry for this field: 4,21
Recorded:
6,31
